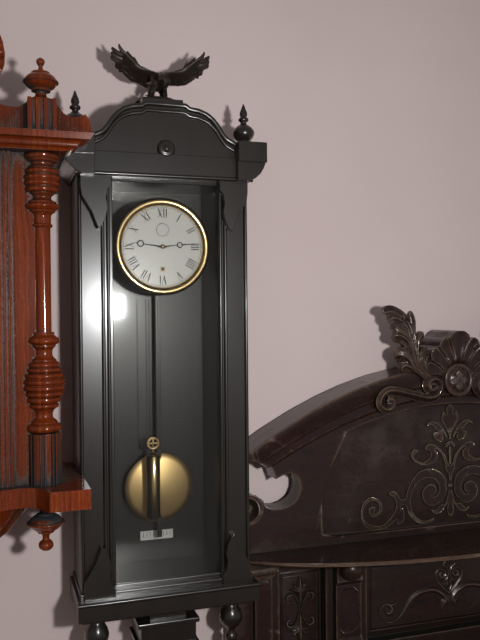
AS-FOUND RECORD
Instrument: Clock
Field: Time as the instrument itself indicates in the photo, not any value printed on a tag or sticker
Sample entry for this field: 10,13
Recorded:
9,14
